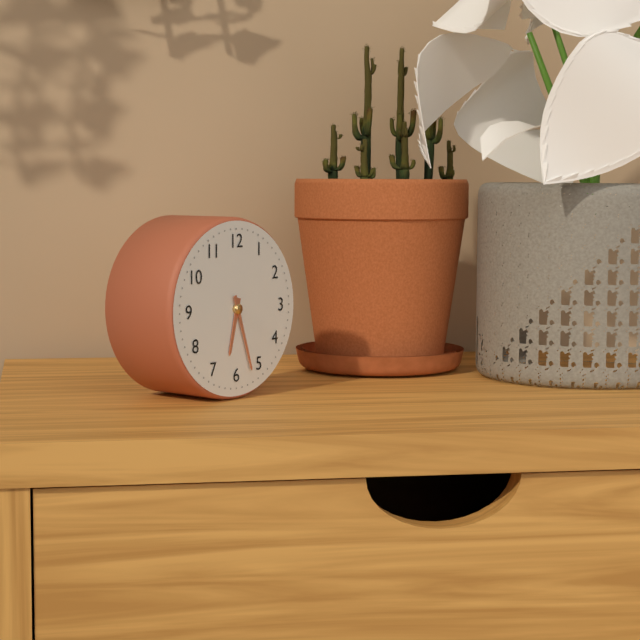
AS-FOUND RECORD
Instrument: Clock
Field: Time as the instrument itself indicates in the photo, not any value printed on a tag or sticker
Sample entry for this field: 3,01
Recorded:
6,27
